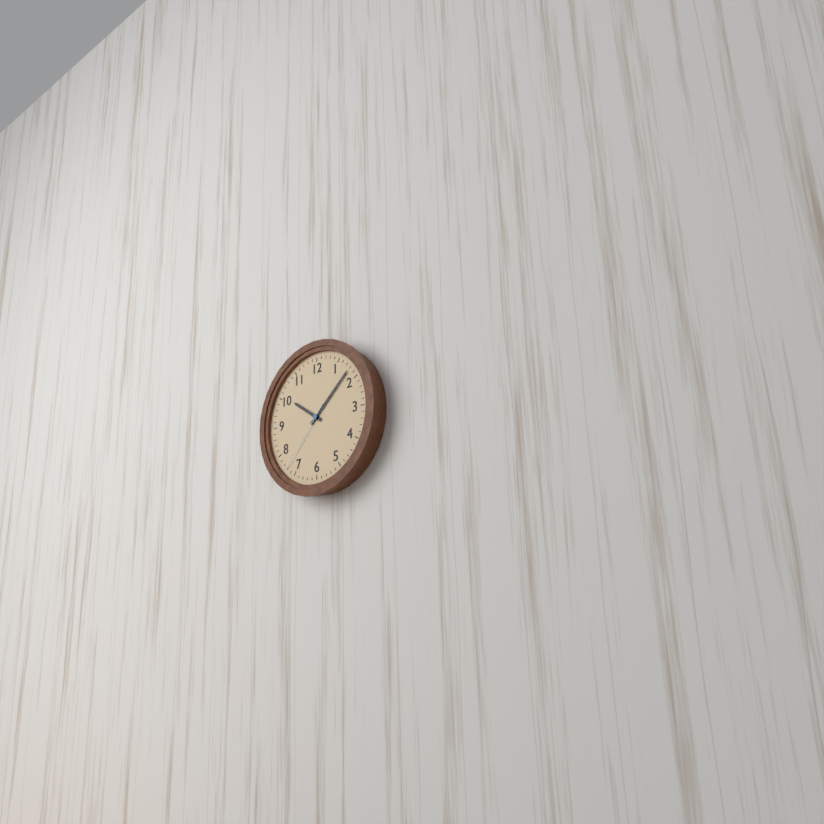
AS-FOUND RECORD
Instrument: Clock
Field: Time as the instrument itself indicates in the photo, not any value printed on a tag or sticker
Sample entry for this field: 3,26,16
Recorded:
10,08,37
